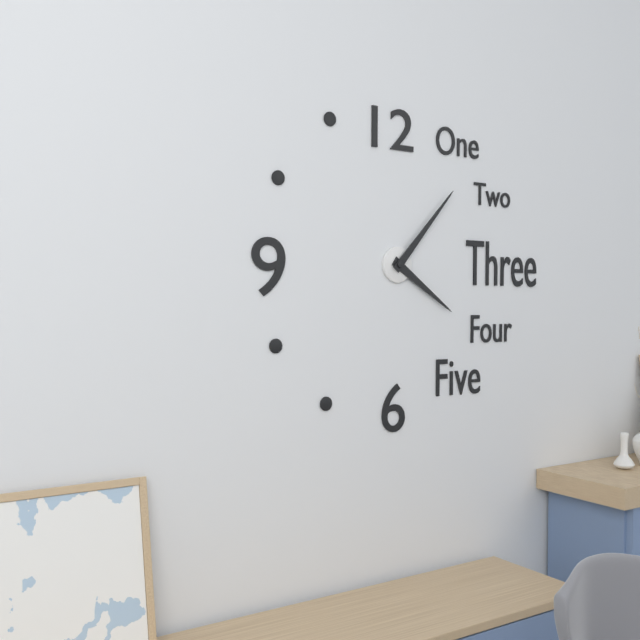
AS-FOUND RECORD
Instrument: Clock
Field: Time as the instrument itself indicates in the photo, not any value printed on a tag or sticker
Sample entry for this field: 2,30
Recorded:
4,07
